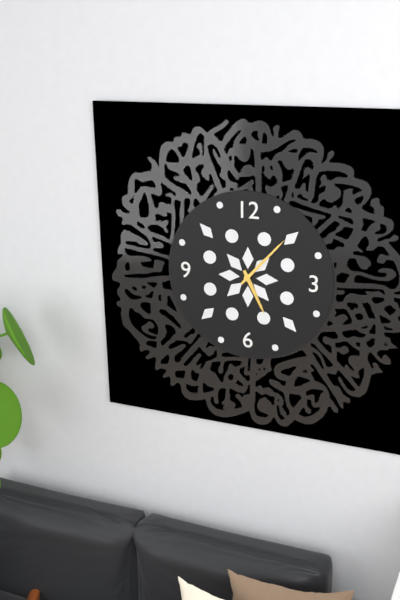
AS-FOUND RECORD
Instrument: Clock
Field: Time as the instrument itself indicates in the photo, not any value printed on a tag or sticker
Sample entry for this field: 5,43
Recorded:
5,07
